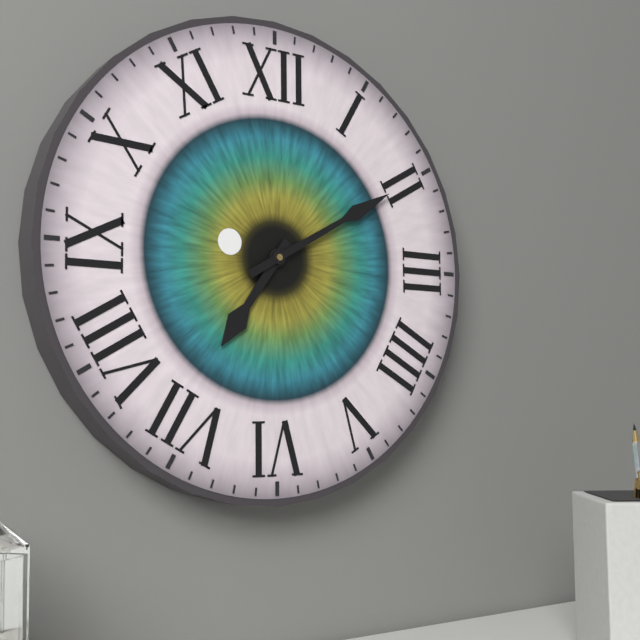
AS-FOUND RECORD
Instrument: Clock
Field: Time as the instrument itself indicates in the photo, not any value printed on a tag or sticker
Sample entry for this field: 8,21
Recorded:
7,10
